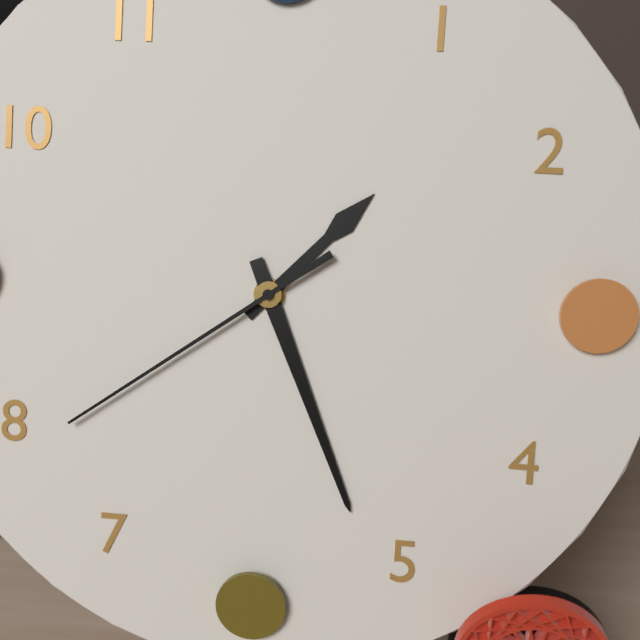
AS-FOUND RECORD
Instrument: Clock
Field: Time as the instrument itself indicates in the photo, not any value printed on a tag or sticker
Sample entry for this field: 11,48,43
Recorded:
1,26,39
